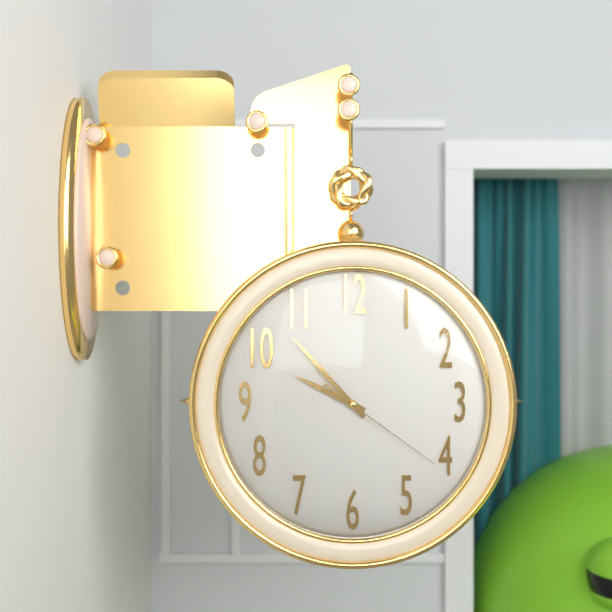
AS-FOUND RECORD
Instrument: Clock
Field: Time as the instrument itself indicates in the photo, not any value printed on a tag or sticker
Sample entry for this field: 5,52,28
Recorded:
9,53,21
